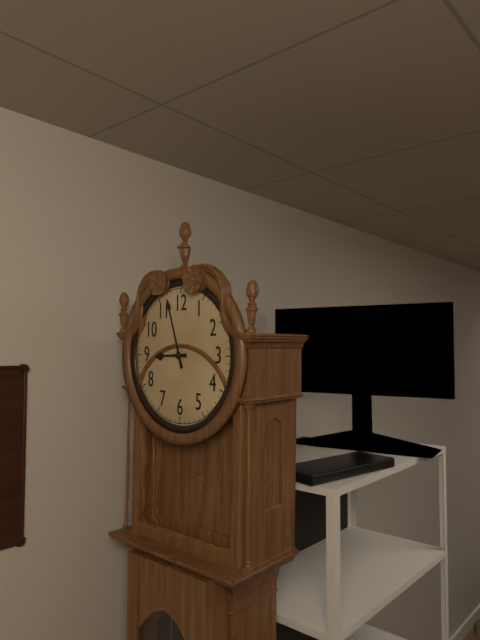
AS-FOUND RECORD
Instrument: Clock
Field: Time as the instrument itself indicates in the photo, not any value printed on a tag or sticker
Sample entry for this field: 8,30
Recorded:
8,57
